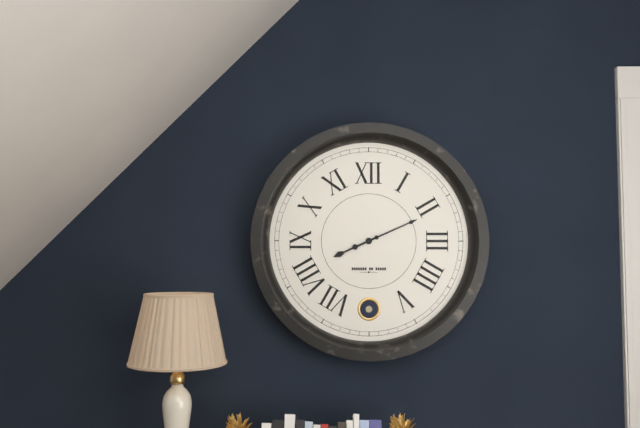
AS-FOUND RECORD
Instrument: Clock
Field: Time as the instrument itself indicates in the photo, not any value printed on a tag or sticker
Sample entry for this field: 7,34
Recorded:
8,11
